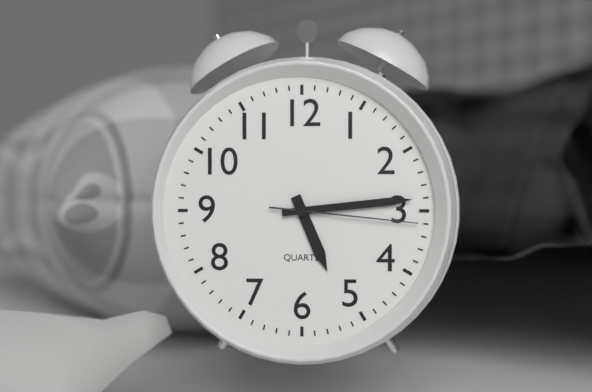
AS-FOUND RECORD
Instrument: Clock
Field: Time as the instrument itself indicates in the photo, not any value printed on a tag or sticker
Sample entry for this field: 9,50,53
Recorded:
5,14,16
